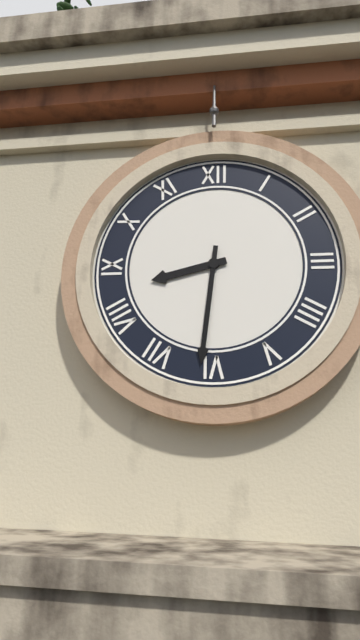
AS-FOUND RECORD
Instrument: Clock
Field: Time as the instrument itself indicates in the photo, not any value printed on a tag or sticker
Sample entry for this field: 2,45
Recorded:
8,31
